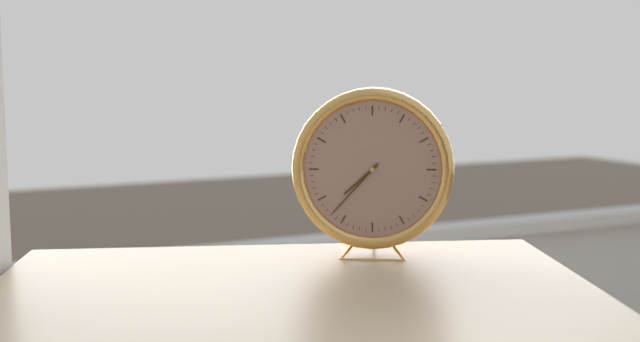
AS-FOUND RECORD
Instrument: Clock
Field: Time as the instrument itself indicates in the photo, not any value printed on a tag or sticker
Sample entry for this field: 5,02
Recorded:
7,37
